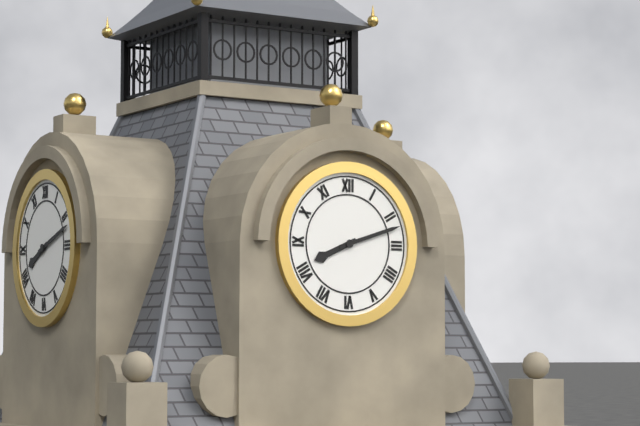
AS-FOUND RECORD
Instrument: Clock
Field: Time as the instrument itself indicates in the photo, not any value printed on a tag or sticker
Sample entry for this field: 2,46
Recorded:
8,12
